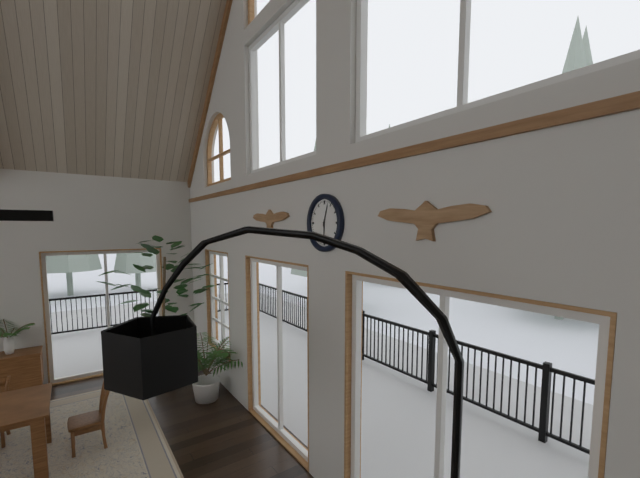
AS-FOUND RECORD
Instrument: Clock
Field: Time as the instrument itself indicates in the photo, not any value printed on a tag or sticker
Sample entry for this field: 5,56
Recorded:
6,03
